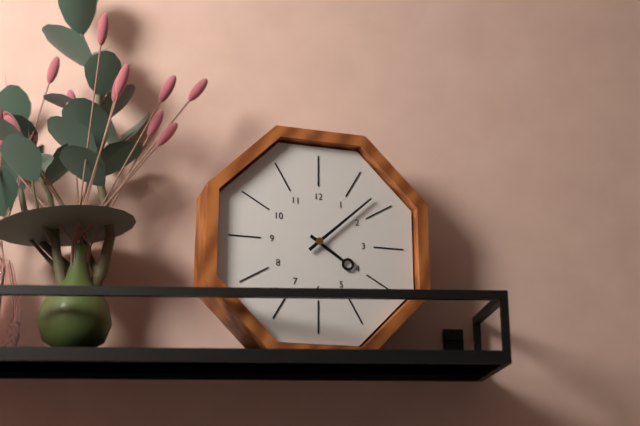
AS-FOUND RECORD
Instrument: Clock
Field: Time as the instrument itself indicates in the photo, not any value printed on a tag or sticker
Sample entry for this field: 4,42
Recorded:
4,08
